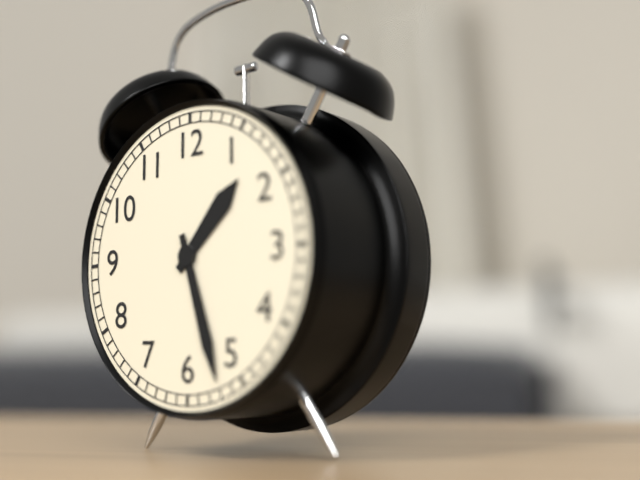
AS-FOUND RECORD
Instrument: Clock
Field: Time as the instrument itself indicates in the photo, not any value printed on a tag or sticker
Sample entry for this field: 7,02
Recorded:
1,27
